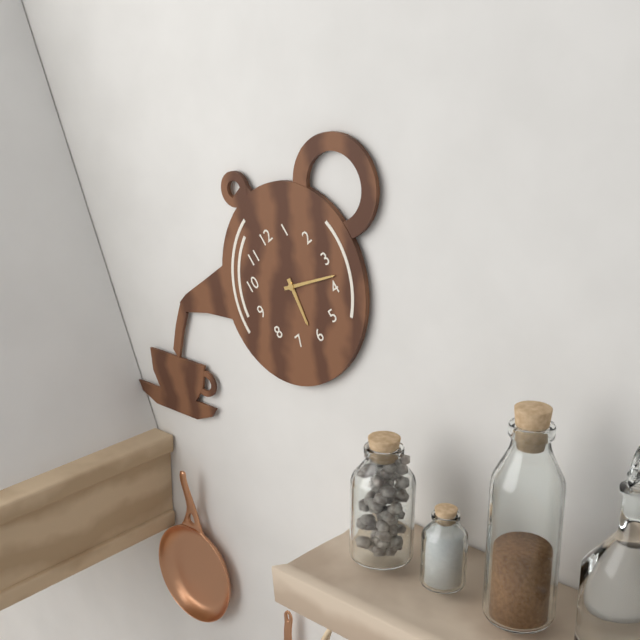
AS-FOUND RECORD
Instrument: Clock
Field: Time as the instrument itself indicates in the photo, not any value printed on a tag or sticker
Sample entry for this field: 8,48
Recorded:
6,18
